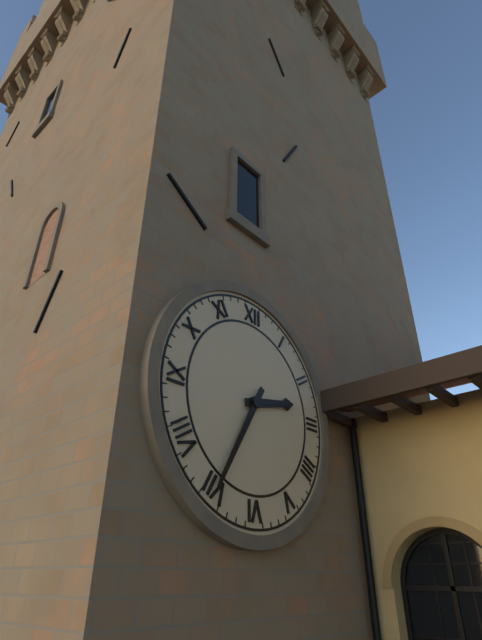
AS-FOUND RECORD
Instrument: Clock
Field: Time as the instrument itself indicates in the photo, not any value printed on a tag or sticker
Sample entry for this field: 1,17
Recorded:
2,35
